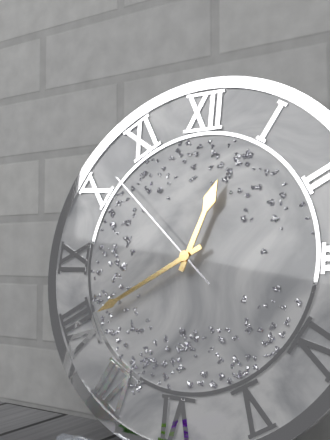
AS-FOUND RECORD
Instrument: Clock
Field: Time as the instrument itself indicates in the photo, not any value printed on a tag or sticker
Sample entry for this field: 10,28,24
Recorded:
12,40,52
